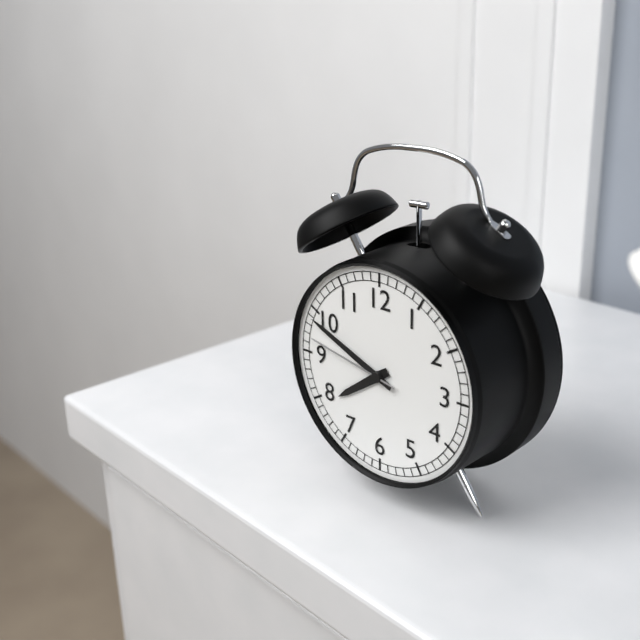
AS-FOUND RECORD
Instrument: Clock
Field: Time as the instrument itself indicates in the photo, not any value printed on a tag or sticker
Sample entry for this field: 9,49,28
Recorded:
7,49,47
